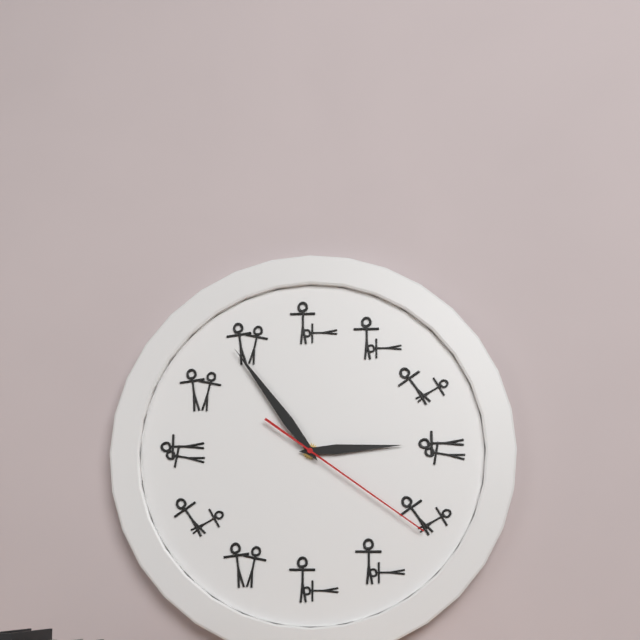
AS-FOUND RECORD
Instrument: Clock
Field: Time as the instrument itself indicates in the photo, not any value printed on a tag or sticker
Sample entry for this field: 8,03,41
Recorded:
2,54,21
